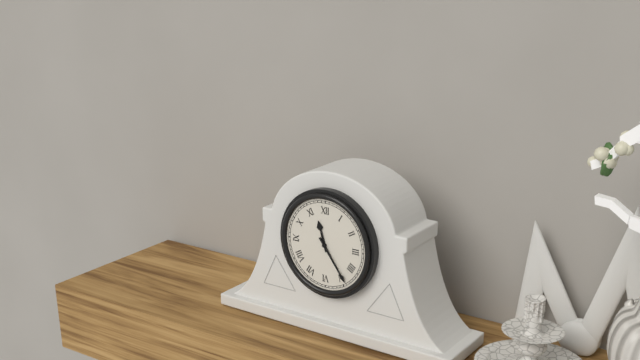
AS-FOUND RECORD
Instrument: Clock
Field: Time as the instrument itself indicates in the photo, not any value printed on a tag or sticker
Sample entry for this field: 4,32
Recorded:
11,24
